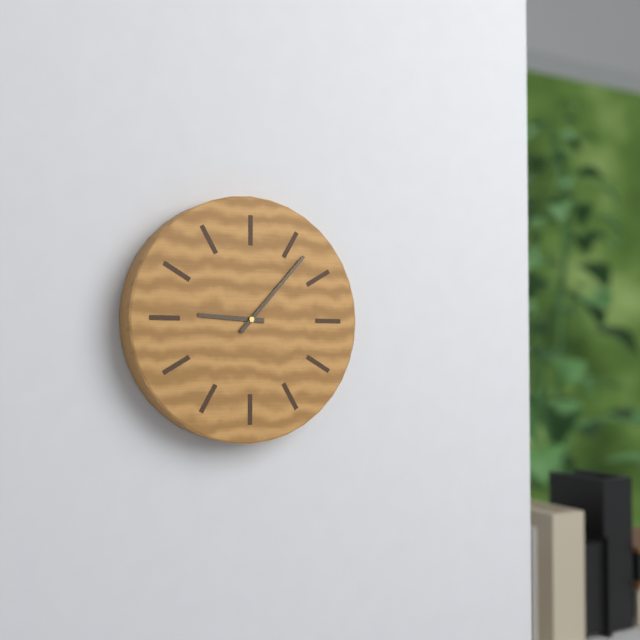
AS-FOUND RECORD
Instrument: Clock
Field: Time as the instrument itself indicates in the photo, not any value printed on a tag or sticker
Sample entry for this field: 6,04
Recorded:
9,07
